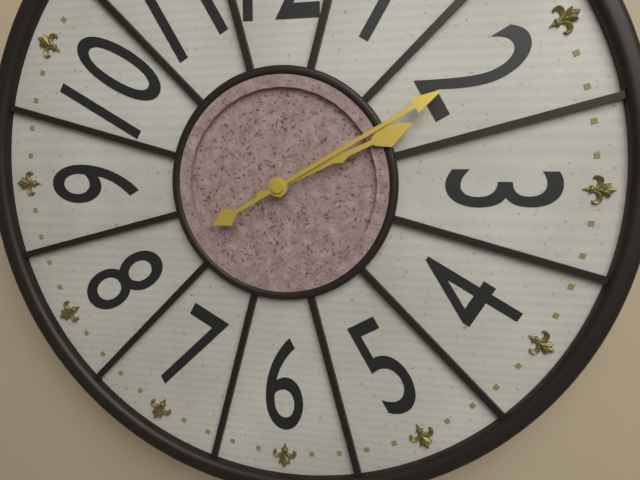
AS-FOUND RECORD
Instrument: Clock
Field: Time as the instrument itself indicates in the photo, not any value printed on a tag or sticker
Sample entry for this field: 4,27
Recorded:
2,10
